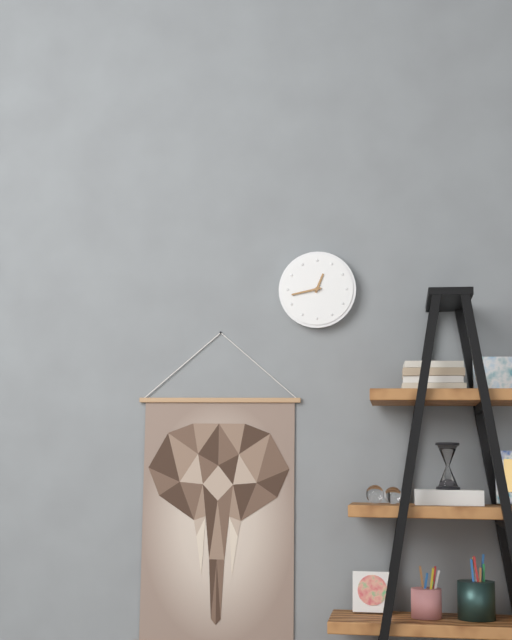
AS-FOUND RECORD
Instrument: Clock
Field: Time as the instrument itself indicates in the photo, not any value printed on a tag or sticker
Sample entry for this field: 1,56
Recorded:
12,43
